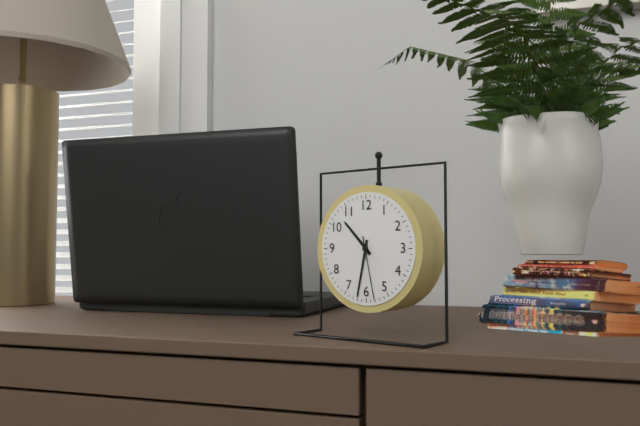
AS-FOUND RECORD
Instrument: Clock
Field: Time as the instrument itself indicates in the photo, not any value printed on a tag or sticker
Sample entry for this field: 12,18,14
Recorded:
10,32,28
